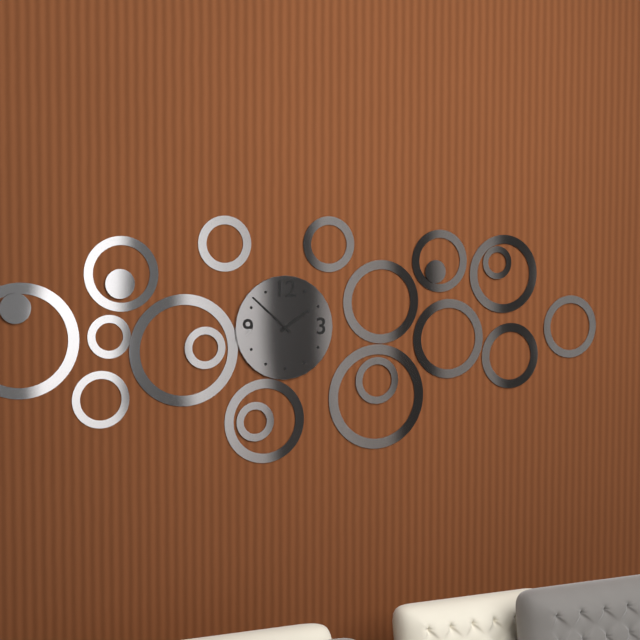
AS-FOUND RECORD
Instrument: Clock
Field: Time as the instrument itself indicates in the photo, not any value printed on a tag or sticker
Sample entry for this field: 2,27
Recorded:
1,52
